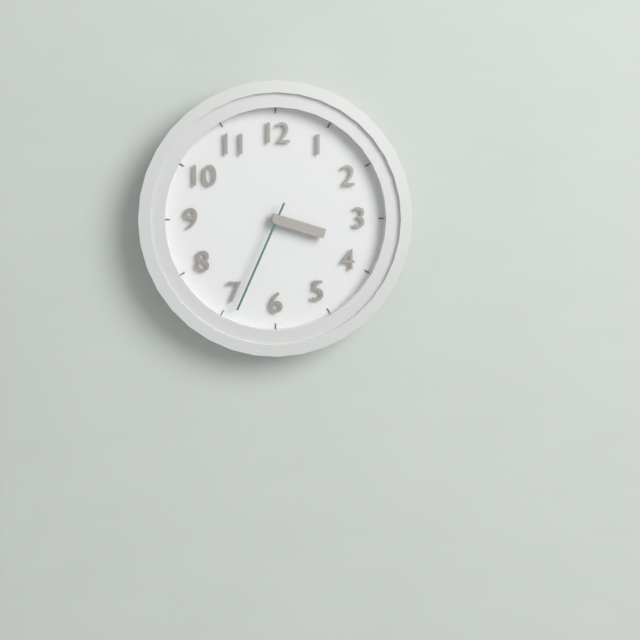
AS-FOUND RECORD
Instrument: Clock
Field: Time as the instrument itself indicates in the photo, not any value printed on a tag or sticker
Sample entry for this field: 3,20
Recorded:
3,34
